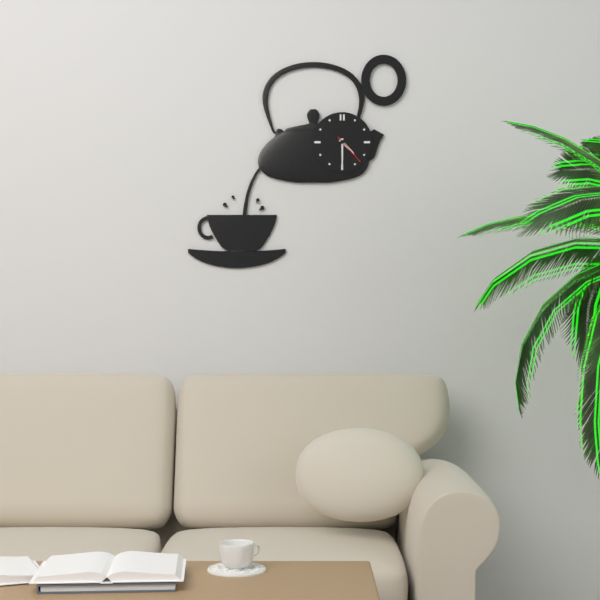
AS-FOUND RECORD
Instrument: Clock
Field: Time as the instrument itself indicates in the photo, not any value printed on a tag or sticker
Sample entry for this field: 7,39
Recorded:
4,30
